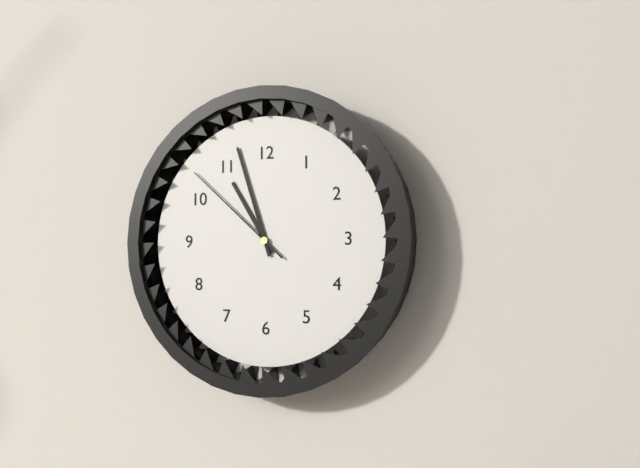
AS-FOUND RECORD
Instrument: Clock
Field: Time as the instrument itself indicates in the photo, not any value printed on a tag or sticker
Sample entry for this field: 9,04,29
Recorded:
10,57,52
